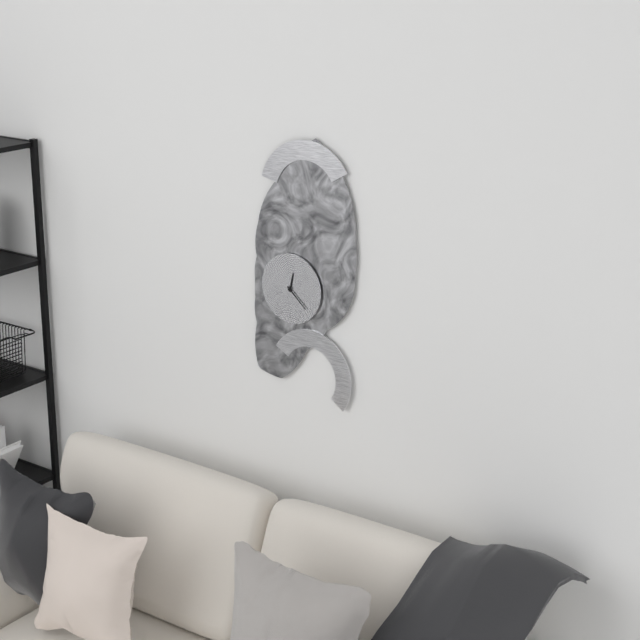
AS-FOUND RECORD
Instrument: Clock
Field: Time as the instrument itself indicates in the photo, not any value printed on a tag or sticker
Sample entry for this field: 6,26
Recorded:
12,22
